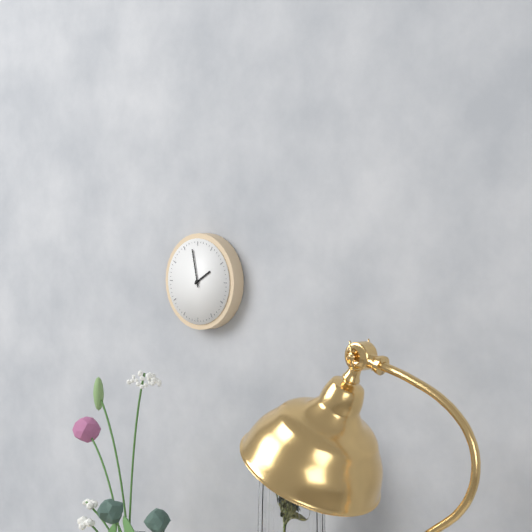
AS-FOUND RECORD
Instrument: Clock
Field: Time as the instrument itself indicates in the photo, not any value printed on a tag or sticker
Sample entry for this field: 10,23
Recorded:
1,58
